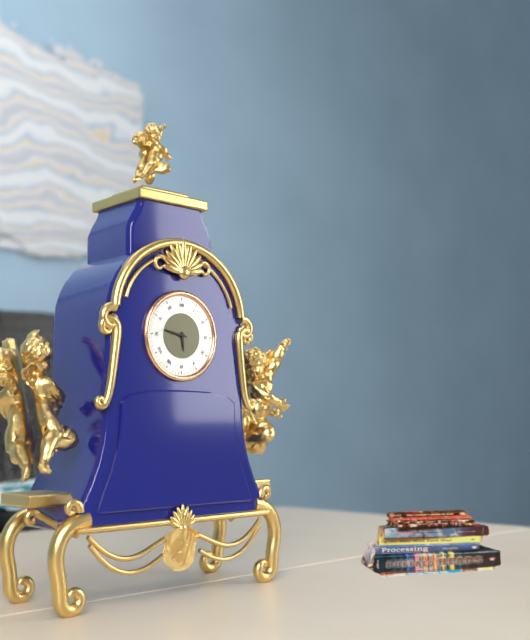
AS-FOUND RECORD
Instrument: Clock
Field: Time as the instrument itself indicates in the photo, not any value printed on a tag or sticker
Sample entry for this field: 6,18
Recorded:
5,47
